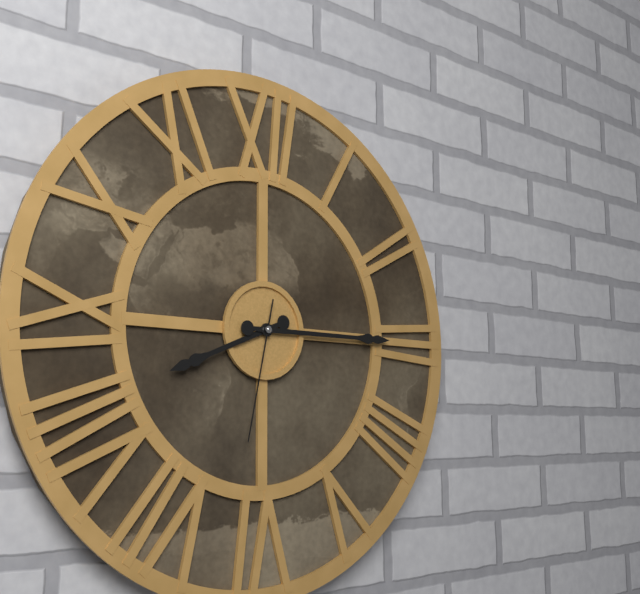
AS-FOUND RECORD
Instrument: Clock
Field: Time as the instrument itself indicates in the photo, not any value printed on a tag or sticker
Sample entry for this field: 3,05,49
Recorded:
8,15,32
